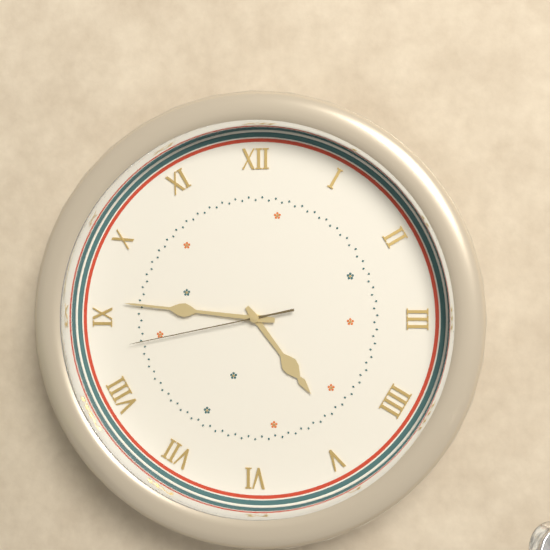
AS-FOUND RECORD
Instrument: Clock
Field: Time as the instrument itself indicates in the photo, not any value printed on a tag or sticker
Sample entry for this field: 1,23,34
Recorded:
4,46,43
